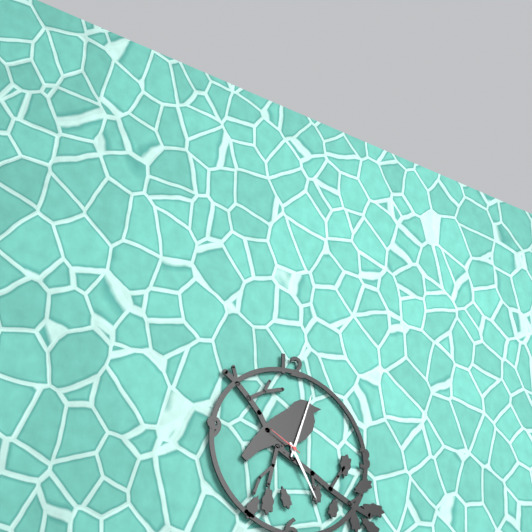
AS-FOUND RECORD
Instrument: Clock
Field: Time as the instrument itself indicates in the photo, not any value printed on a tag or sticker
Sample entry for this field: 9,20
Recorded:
5,03
